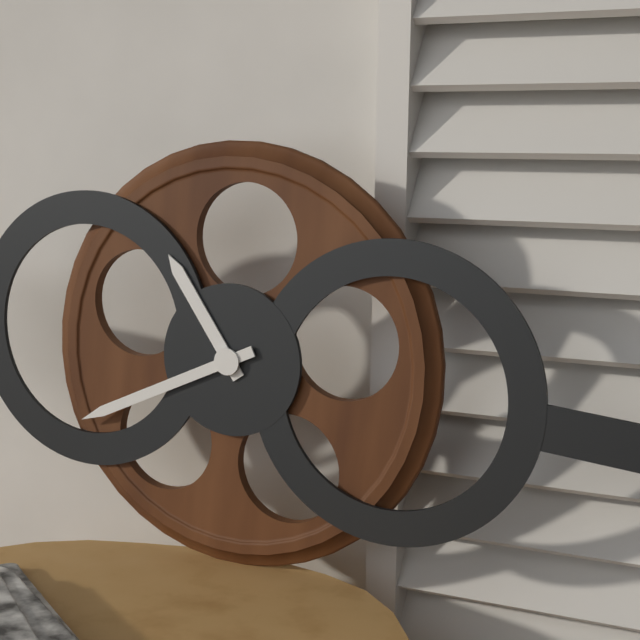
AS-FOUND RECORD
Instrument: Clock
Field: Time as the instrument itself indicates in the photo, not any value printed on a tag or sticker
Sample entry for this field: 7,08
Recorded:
10,40
